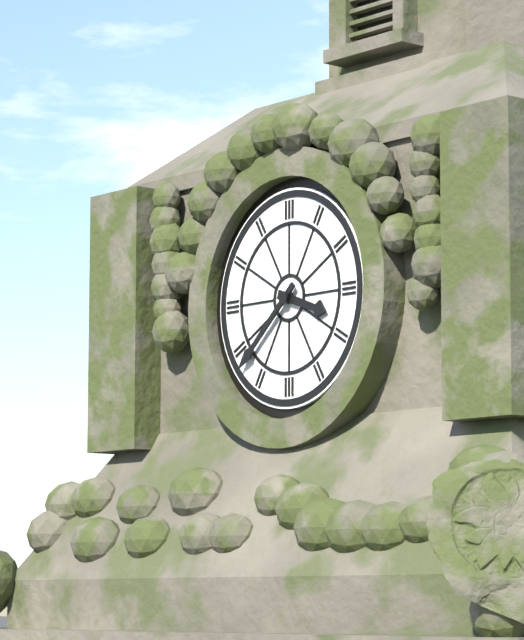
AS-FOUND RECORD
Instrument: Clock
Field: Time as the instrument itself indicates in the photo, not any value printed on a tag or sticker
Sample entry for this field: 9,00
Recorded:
3,38
